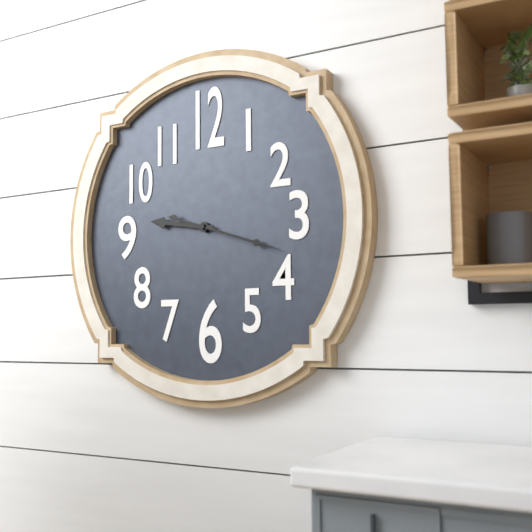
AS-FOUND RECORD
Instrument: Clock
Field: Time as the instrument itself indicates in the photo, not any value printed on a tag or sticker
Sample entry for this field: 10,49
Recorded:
9,18
